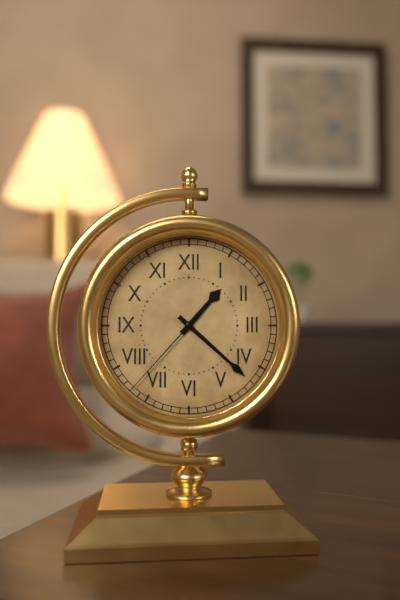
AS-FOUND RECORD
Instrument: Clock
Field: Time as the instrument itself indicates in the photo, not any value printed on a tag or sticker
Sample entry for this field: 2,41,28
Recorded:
1,22,37
